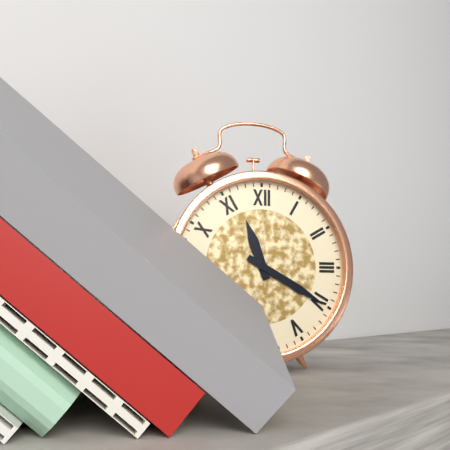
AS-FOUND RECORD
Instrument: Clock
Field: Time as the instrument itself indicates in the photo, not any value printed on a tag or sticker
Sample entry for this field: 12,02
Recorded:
11,20
